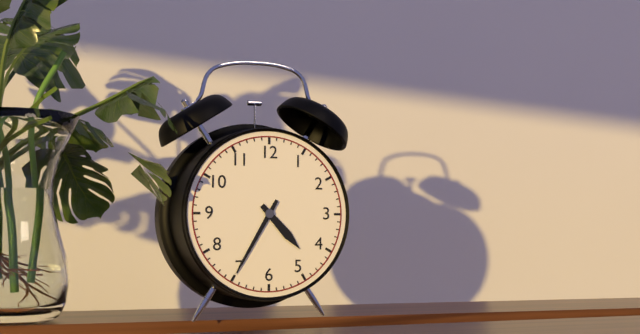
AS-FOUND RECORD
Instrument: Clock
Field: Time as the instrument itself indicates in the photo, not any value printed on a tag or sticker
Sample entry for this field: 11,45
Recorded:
4,35
